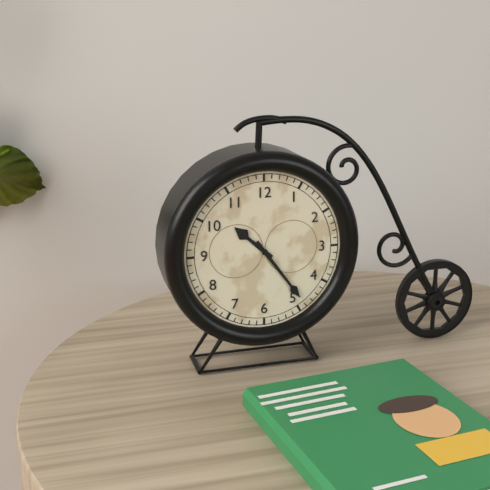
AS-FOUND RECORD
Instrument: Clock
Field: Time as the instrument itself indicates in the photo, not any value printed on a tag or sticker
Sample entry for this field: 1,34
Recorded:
10,24
